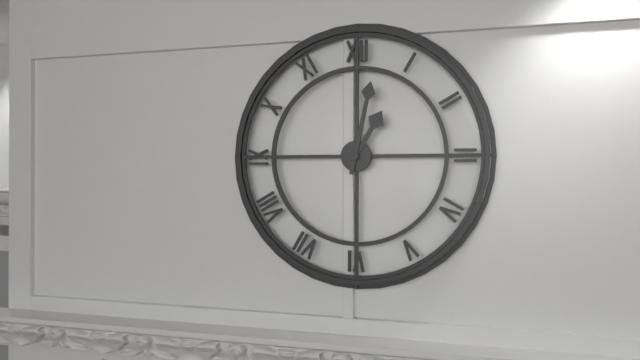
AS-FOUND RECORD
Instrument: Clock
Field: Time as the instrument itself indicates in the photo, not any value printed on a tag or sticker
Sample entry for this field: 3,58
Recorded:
1,02
